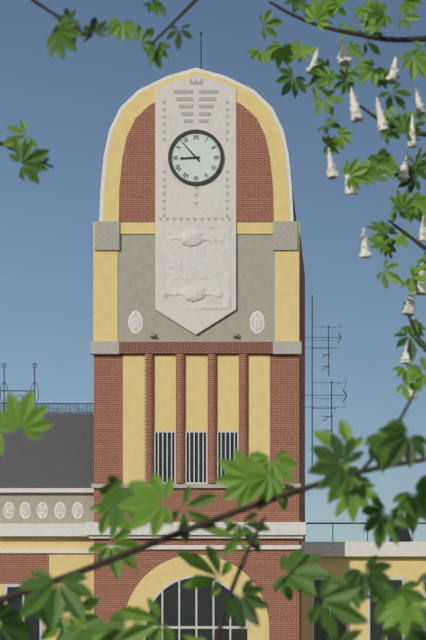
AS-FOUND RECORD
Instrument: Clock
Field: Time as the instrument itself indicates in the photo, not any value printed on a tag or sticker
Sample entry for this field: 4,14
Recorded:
8,53
